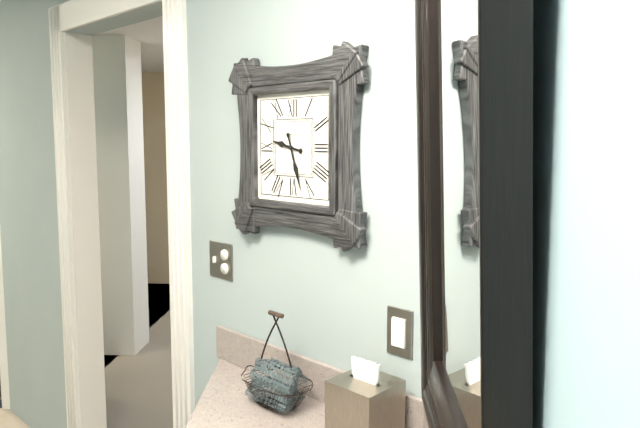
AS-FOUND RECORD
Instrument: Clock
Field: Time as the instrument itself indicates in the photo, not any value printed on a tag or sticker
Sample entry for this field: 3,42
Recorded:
9,27
